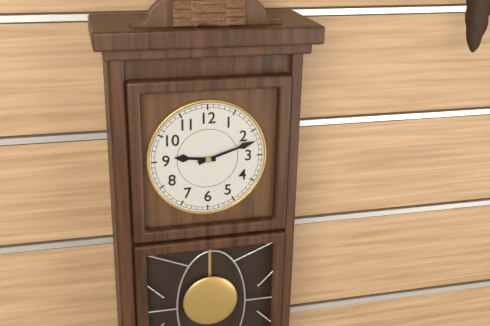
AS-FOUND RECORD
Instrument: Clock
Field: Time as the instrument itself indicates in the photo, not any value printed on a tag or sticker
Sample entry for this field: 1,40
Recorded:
9,12
